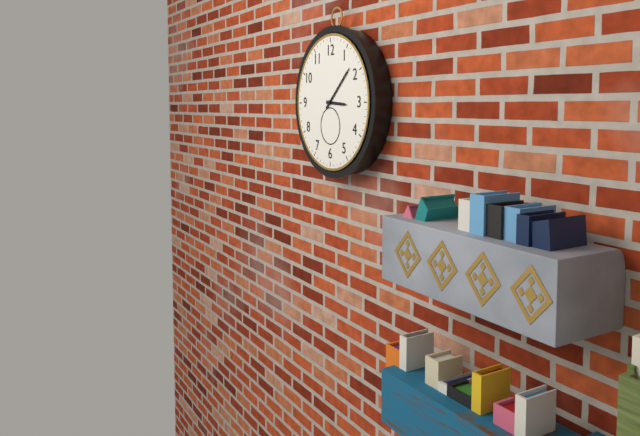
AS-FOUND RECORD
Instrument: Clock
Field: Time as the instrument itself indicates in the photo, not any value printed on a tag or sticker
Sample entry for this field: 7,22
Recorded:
3,08
